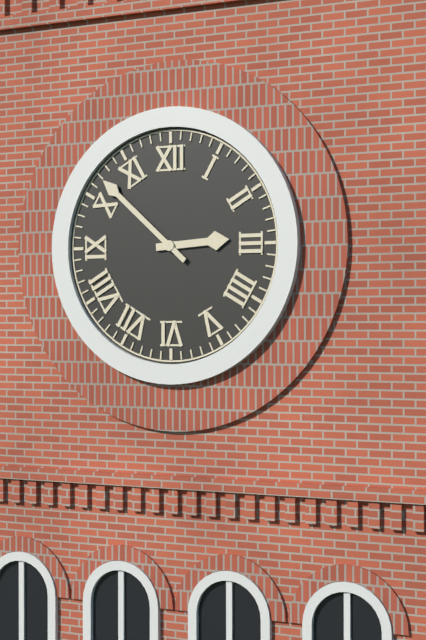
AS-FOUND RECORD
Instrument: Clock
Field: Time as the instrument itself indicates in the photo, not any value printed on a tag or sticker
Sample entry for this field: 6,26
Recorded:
2,52
